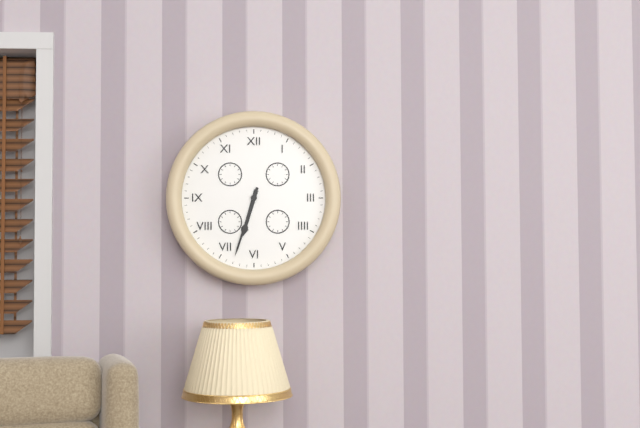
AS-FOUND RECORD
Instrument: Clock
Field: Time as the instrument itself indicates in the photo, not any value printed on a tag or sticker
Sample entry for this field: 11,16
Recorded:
6,33
